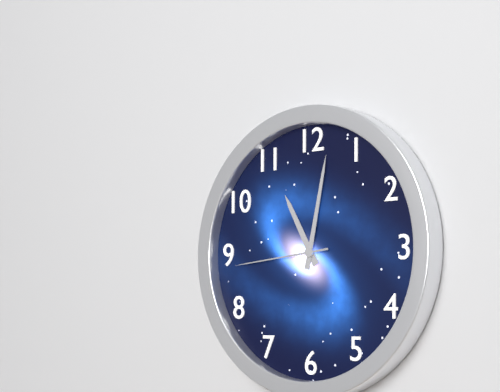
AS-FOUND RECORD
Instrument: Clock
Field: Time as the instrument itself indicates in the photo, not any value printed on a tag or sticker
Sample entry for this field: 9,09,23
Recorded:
11,02,44
